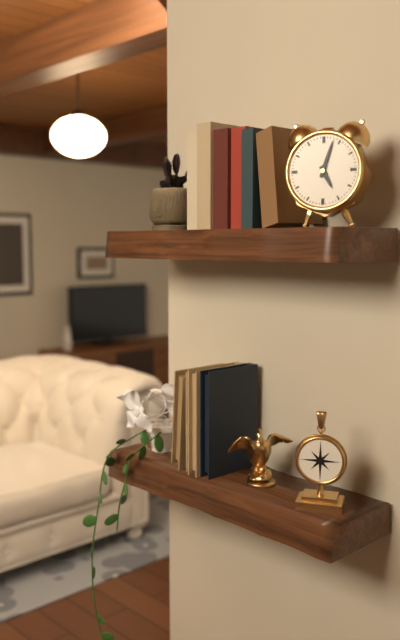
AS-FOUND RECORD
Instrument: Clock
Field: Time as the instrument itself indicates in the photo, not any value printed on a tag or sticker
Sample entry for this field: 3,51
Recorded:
5,03
